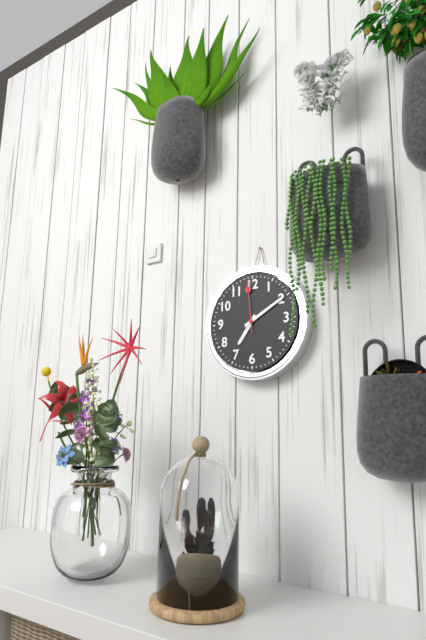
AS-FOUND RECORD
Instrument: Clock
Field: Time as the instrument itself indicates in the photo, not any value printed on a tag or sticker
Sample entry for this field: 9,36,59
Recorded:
7,10,59
